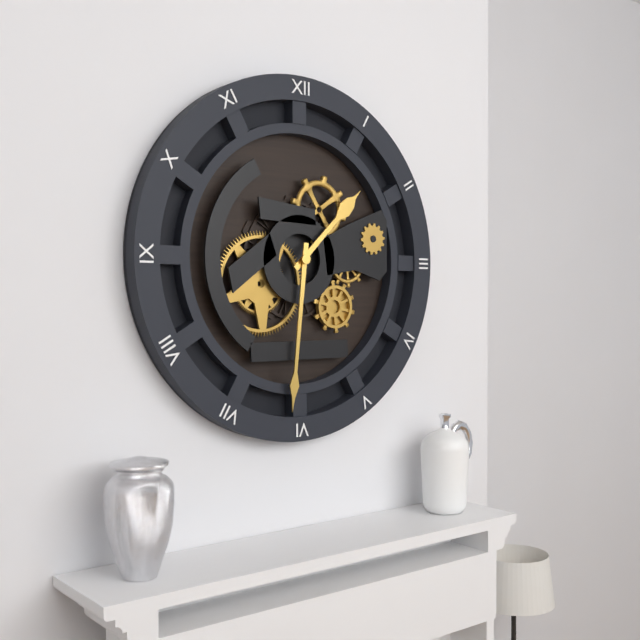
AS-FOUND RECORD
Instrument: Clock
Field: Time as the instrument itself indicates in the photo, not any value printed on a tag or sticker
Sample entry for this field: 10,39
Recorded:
1,31
